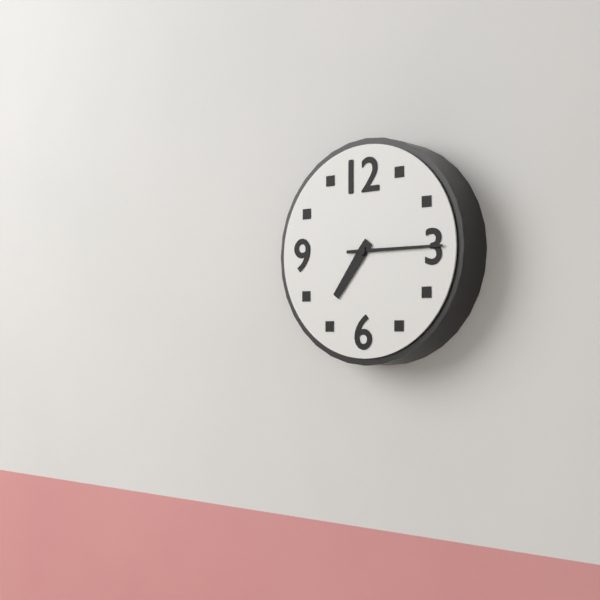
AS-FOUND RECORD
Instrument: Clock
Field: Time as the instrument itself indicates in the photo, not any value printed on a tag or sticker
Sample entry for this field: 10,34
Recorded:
7,15
